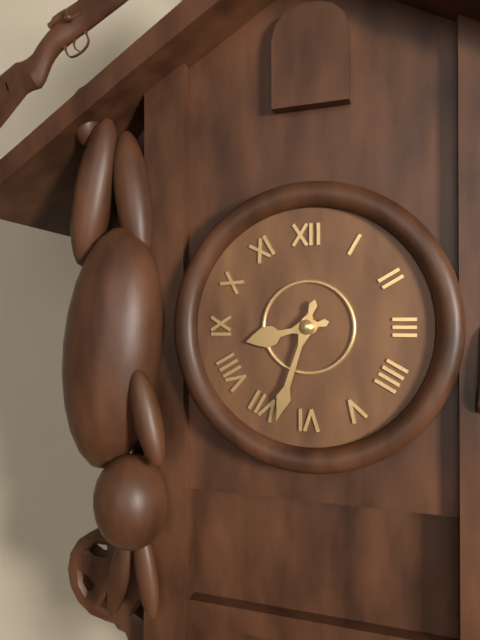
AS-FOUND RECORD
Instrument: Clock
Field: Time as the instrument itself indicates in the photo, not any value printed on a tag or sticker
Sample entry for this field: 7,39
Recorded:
8,33
